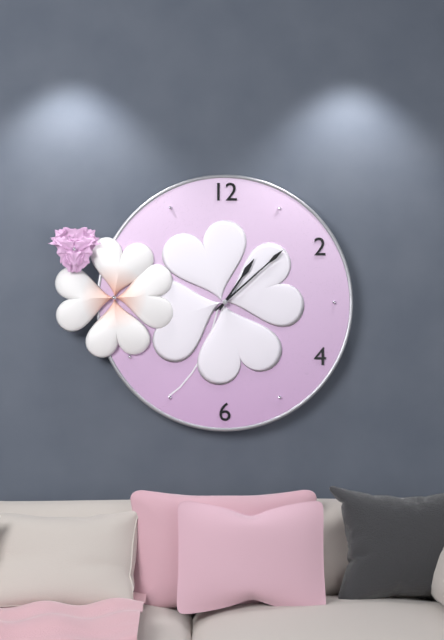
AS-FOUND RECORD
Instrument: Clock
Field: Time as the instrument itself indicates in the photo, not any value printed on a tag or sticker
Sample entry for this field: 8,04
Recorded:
1,08
